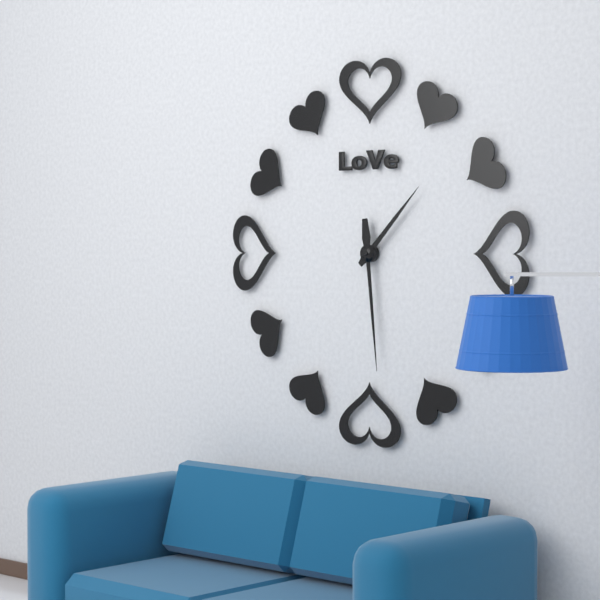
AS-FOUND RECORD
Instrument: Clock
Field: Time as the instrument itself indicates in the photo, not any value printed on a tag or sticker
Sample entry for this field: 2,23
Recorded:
1,29
